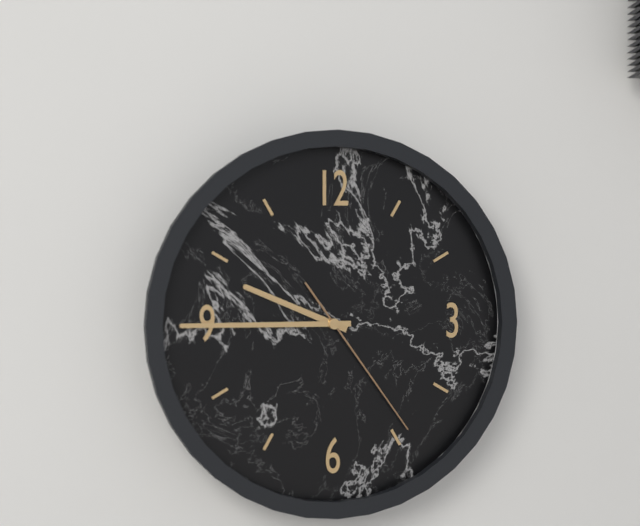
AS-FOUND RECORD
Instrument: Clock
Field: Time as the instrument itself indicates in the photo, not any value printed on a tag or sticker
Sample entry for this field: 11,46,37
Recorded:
9,45,24
